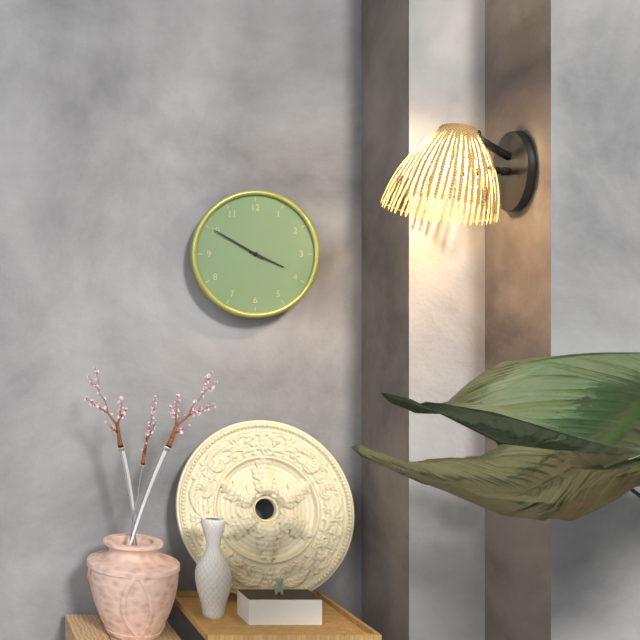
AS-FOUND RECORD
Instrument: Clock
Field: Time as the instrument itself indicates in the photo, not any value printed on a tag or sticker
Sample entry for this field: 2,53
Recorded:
3,50
